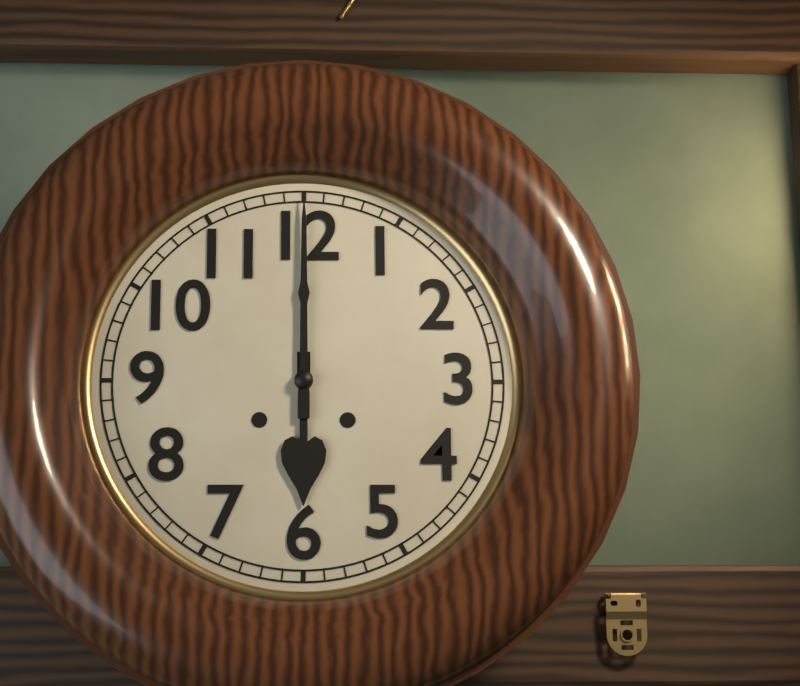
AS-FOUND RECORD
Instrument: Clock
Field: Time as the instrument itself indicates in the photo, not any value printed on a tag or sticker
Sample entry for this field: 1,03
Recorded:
6,00
